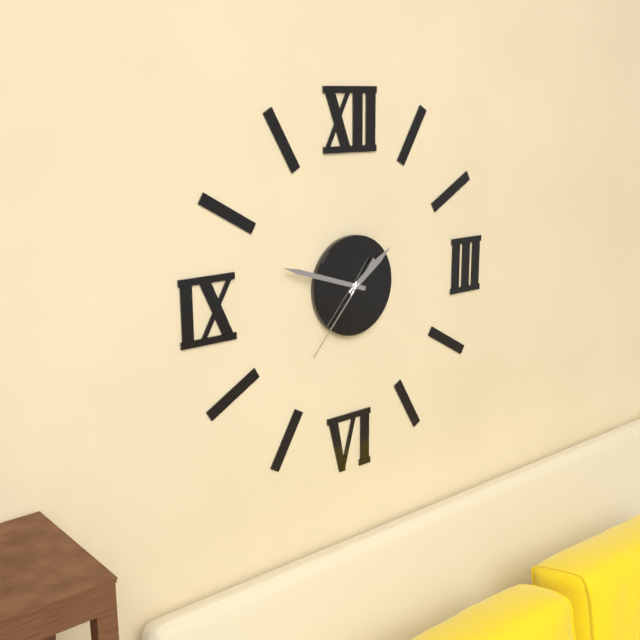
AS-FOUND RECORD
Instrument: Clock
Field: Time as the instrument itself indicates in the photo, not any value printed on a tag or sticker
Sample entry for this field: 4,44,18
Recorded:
1,48,37
